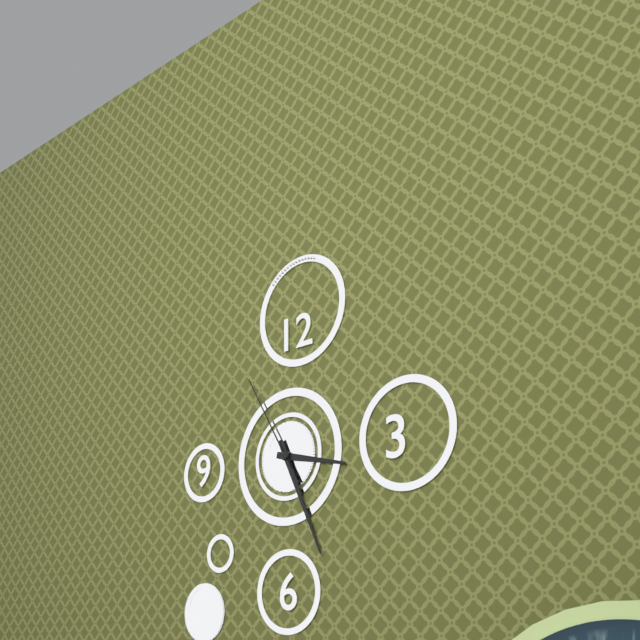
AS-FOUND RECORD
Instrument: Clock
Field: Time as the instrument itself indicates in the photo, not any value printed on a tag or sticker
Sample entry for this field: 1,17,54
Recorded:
3,26,55
